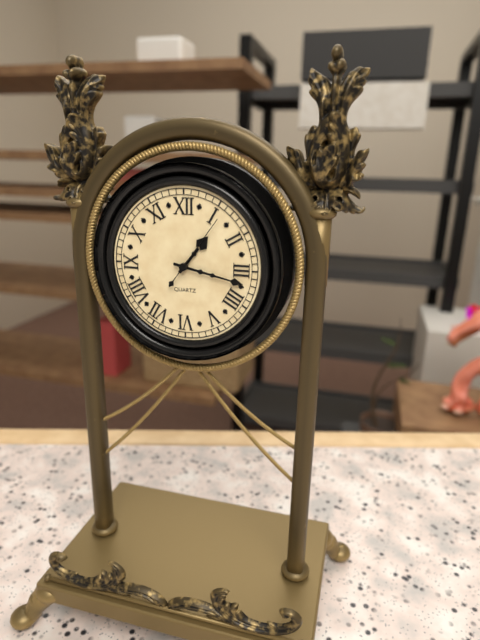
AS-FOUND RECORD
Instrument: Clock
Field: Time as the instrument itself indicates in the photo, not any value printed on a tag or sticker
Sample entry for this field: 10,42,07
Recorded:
1,17,06
